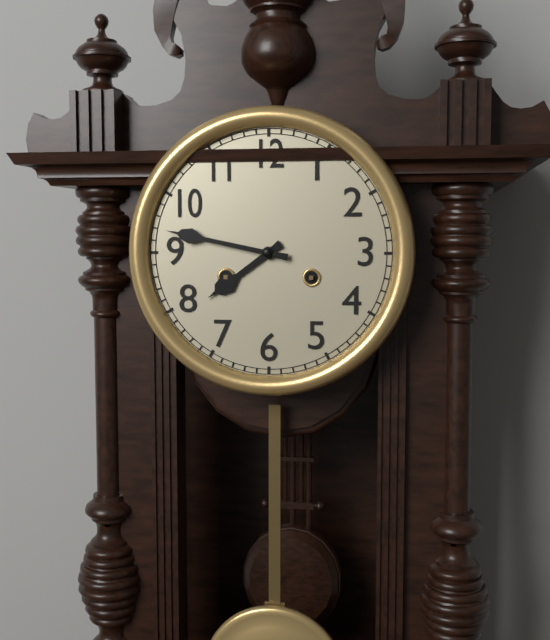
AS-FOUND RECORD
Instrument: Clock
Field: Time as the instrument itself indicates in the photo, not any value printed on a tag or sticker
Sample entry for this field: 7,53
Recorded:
7,47
